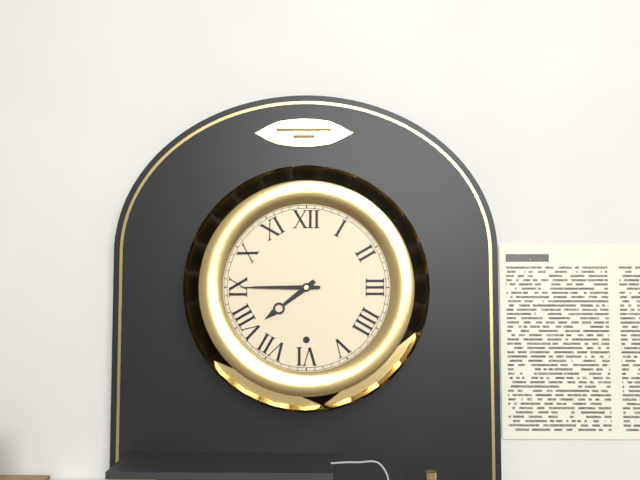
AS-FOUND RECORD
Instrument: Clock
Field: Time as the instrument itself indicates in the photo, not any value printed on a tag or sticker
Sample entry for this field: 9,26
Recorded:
7,45
